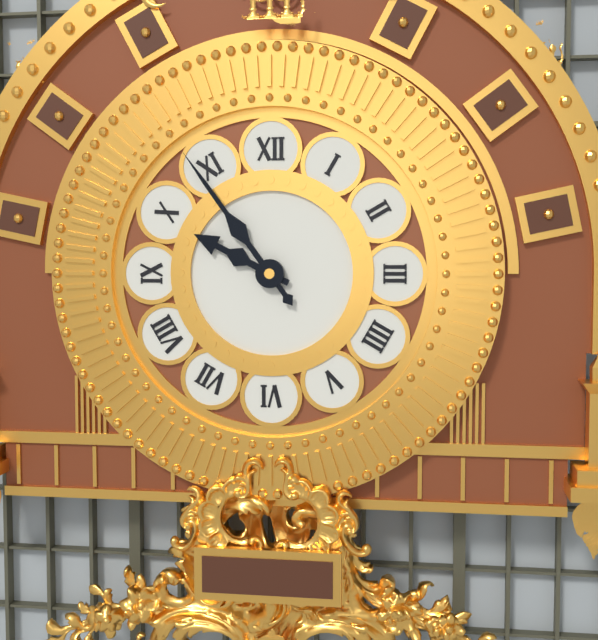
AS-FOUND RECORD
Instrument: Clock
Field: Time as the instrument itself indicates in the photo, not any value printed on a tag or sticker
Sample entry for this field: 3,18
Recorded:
9,54
